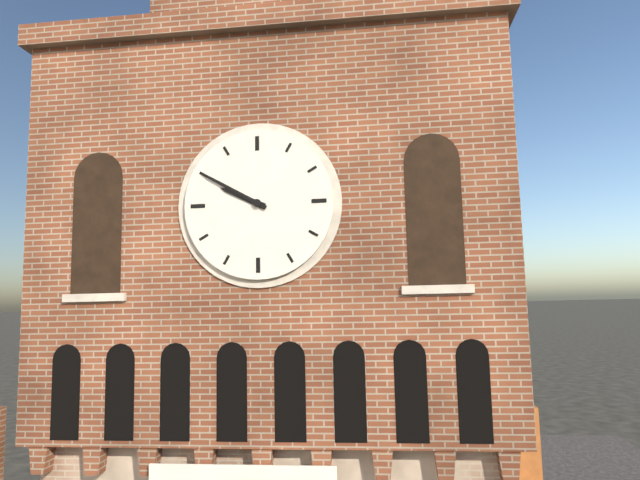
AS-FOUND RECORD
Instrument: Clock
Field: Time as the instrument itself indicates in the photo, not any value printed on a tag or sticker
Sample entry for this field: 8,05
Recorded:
9,50
